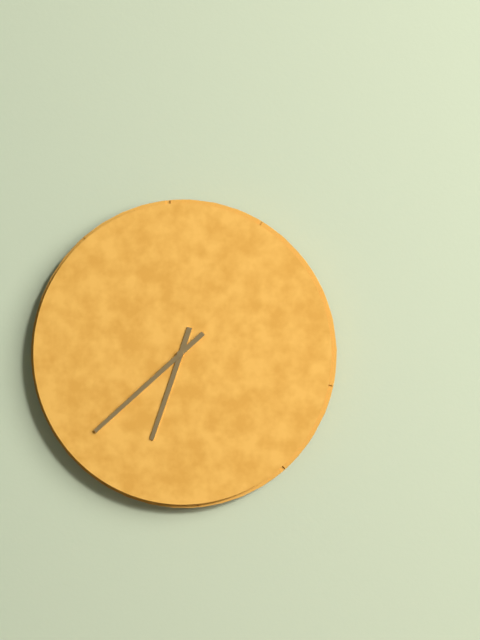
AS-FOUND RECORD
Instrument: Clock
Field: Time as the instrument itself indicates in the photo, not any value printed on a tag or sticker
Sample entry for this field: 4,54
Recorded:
6,38
